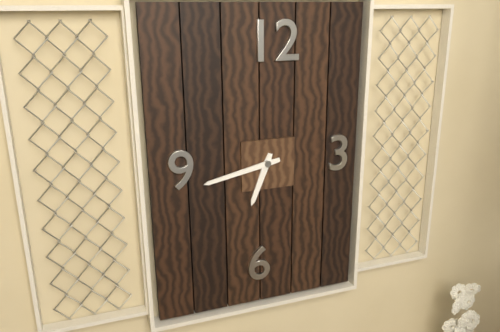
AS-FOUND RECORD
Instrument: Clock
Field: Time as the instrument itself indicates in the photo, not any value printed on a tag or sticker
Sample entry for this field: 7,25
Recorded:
6,43
